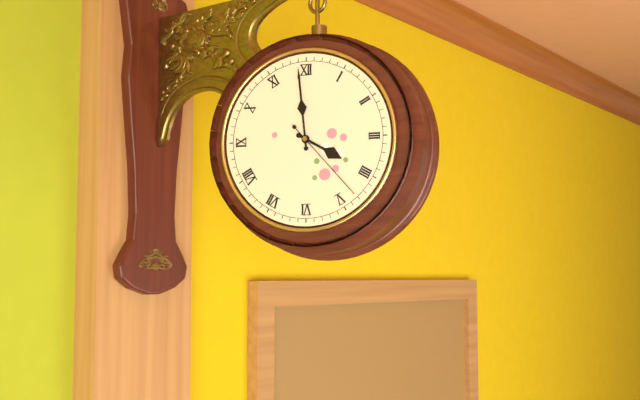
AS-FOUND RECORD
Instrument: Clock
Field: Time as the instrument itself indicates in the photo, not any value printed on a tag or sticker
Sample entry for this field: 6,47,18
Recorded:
3,59,23
